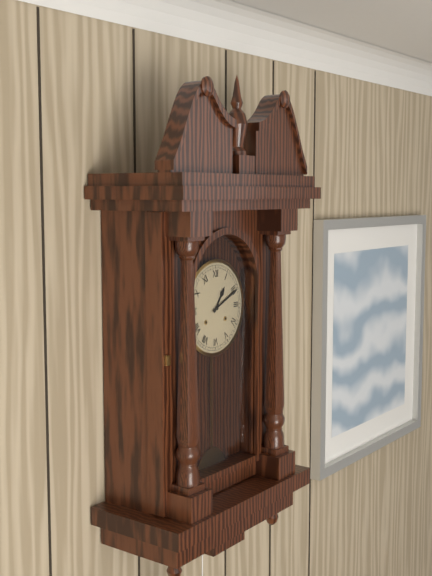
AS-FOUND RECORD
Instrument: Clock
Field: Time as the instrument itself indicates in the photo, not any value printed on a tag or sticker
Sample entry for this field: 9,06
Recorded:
1,11
